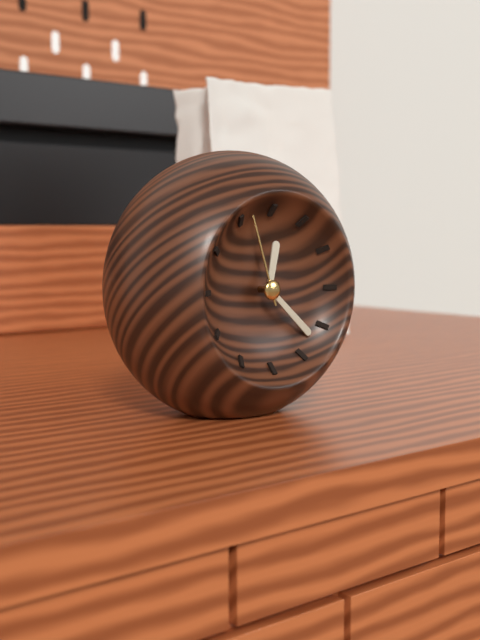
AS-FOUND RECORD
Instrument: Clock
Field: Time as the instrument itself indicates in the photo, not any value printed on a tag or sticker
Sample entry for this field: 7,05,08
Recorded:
12,22,57
